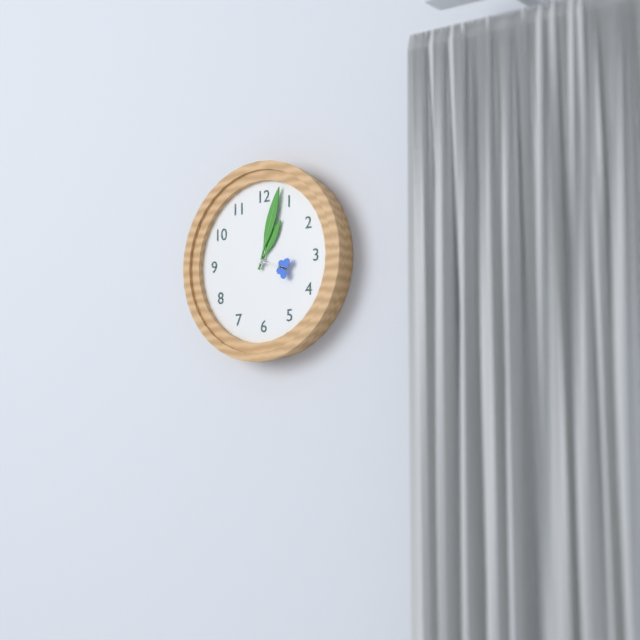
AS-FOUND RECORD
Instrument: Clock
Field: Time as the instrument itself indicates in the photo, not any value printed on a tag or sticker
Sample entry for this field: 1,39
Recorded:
1,03
